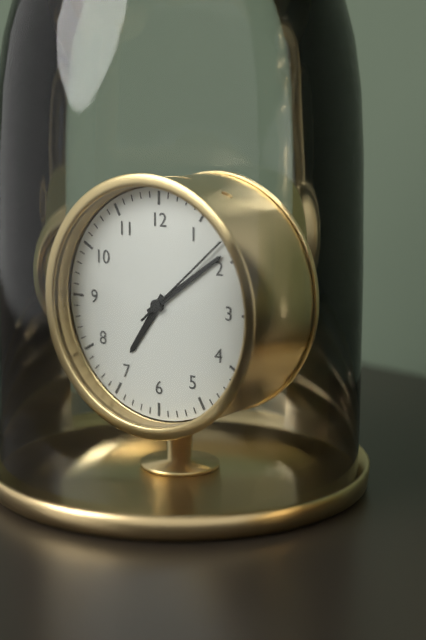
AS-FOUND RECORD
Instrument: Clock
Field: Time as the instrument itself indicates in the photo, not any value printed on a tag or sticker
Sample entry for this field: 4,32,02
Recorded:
7,09,08
